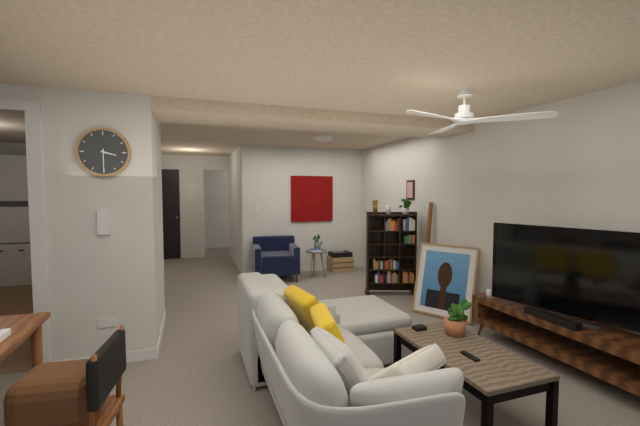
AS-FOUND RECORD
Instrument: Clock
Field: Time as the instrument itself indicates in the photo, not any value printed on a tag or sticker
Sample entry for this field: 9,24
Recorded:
3,30
